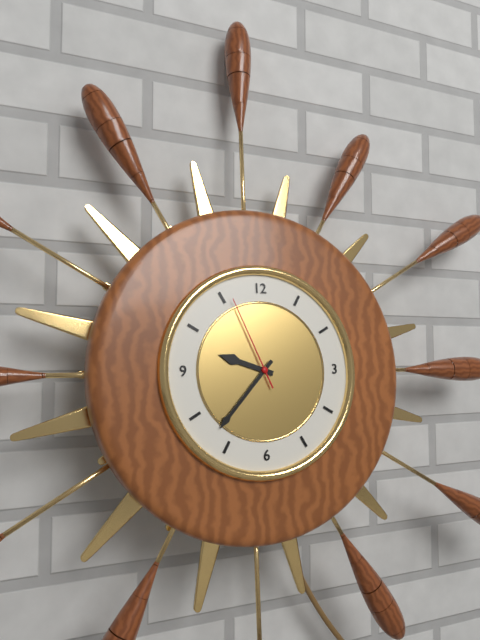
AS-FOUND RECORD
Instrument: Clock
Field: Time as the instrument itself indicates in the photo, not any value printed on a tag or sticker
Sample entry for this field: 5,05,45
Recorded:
9,37,56
